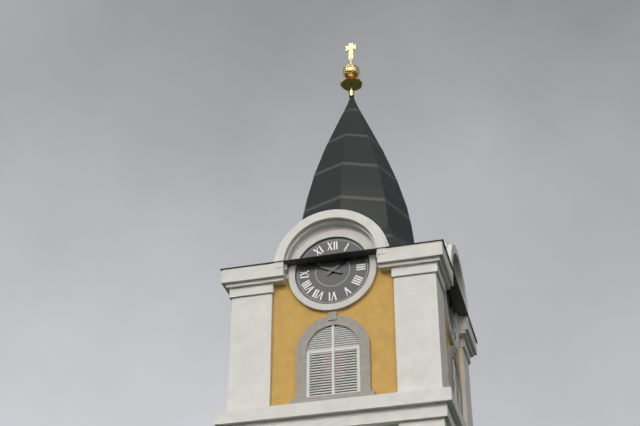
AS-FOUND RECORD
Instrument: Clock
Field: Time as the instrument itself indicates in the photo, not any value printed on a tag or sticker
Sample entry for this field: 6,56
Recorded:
1,49
